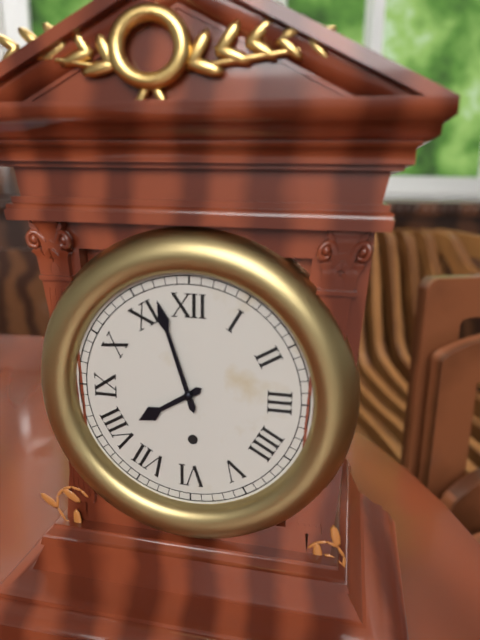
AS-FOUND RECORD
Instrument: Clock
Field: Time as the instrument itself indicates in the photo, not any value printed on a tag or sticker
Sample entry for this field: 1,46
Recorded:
7,57
